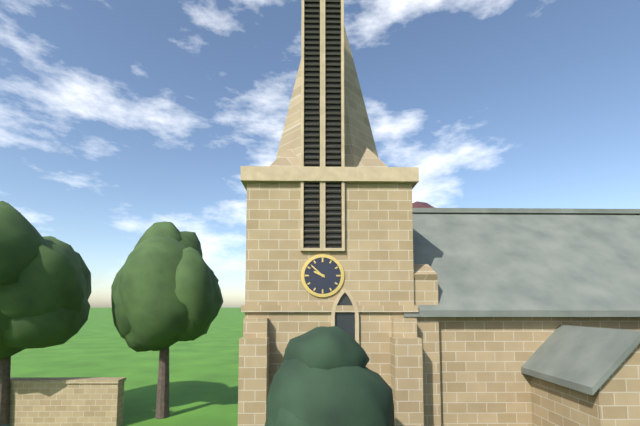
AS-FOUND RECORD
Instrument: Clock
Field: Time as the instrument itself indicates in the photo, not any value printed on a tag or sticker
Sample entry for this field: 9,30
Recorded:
9,52
